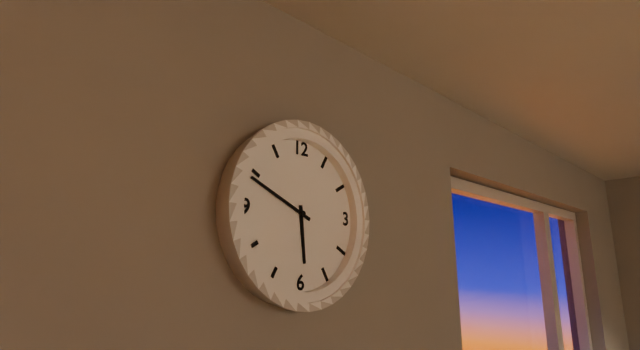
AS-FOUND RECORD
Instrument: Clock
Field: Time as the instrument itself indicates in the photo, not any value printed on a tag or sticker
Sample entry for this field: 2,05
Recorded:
5,49
